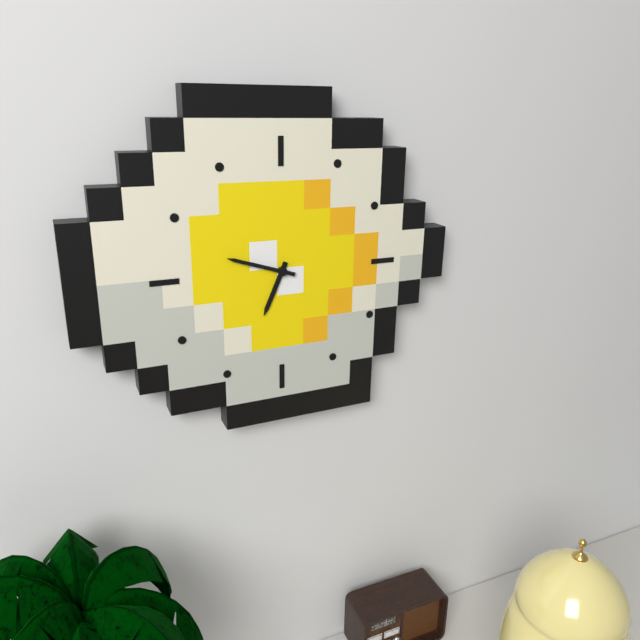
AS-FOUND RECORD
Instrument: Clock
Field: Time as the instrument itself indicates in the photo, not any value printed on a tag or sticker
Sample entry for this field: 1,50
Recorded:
6,48
